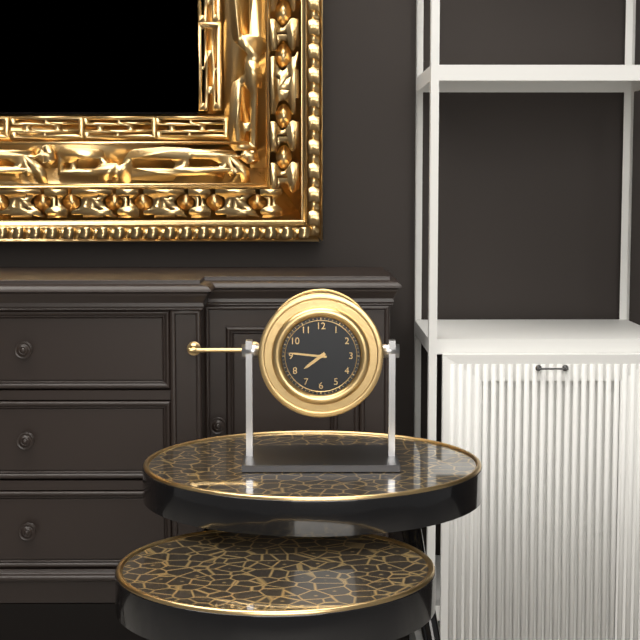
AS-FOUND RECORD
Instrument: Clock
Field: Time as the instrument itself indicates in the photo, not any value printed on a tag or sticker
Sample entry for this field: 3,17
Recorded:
7,46
